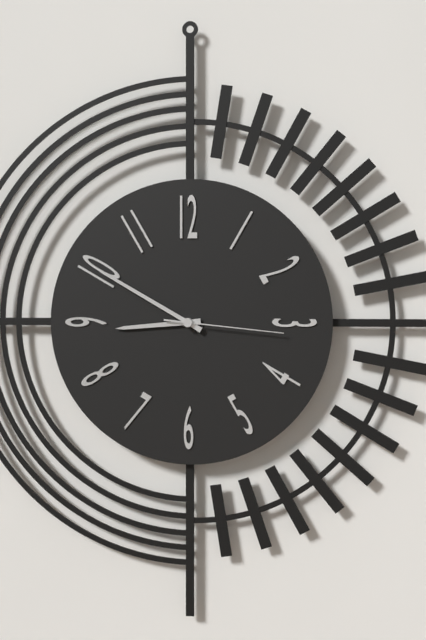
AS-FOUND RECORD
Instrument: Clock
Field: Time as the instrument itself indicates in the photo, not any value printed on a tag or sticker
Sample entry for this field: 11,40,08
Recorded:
8,50,16
